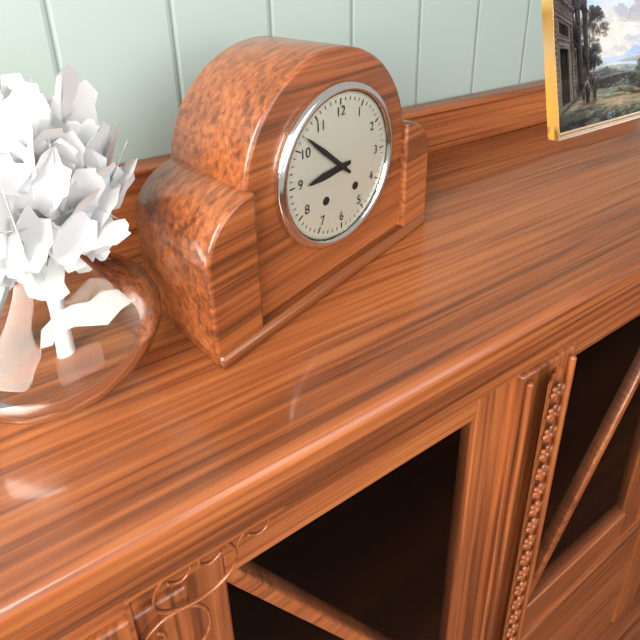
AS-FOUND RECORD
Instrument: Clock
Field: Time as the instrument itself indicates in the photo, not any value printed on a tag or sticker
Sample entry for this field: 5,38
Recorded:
8,52
